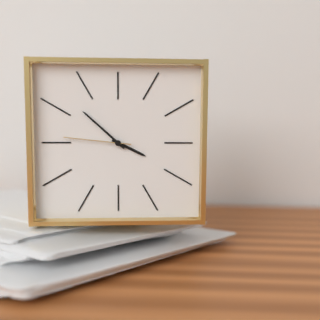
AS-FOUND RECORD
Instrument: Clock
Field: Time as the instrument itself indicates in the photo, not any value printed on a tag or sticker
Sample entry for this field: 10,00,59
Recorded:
3,52,46
